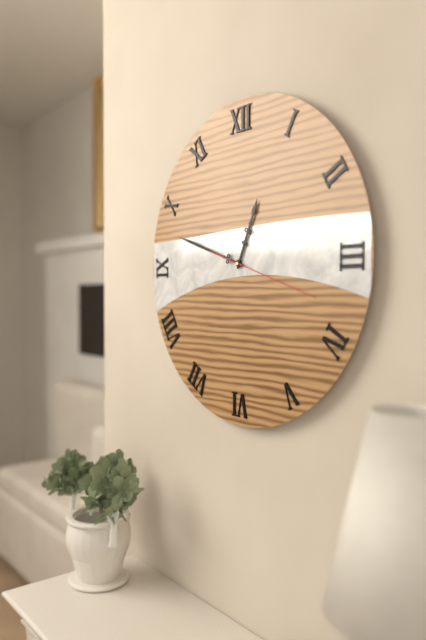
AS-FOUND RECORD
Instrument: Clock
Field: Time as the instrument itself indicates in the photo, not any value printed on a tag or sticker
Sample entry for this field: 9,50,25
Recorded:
12,48,18
